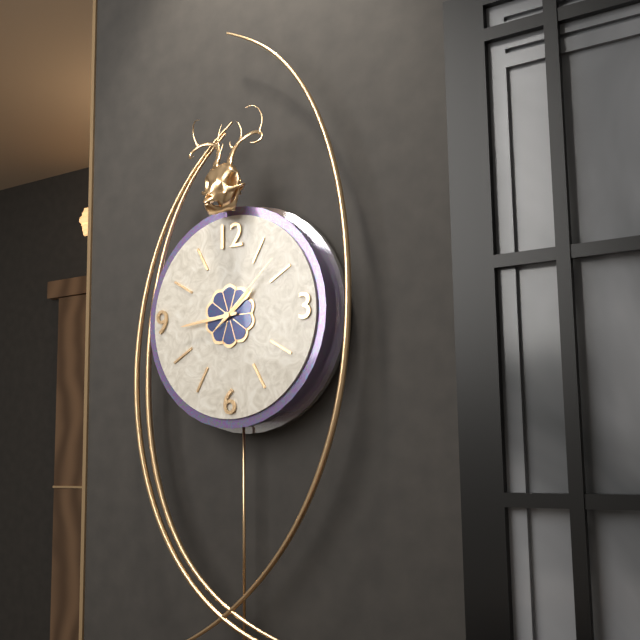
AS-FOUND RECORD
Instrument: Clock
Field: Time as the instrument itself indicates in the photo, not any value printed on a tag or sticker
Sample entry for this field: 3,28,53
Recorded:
1,44,08
